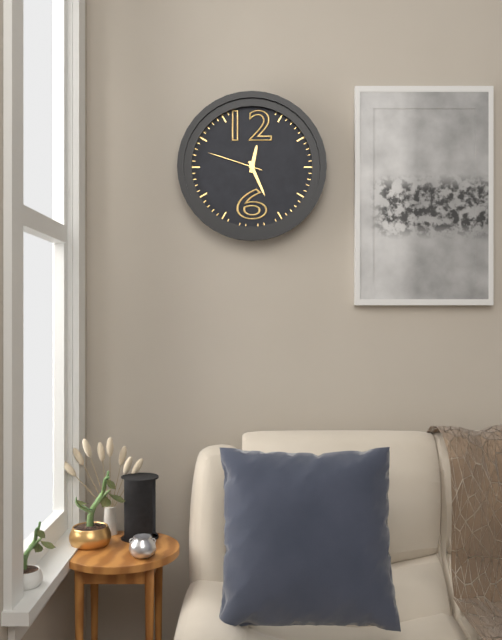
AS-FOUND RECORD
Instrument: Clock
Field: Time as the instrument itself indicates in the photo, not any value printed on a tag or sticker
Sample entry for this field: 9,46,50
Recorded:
12,26,48
